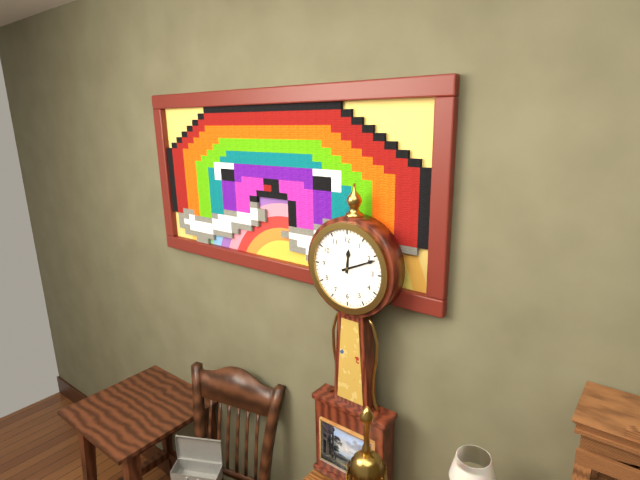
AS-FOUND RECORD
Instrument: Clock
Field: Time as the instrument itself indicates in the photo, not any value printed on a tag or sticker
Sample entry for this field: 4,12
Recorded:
12,11
